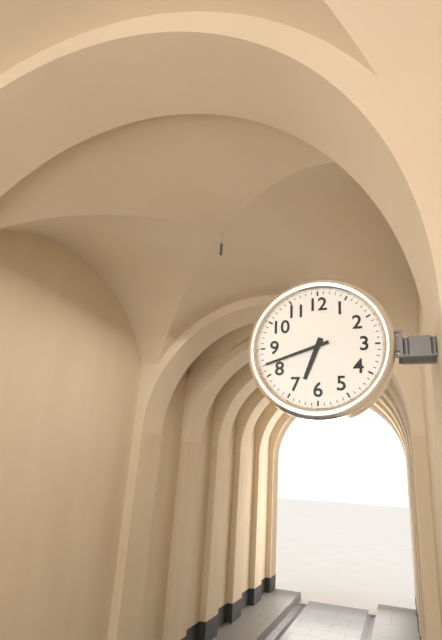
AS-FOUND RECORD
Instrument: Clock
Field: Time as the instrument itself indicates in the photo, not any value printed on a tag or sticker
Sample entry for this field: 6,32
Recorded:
6,42
